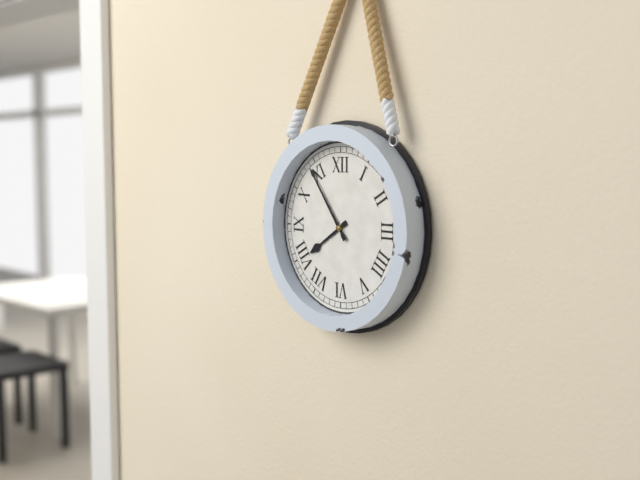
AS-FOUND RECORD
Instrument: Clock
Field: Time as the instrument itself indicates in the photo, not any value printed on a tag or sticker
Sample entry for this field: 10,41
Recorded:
7,54
